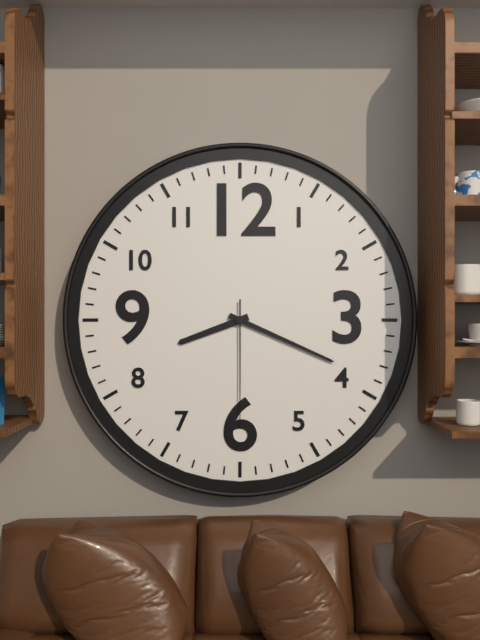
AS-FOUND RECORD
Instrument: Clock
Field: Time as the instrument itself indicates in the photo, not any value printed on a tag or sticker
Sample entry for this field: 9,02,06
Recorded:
8,19,30
